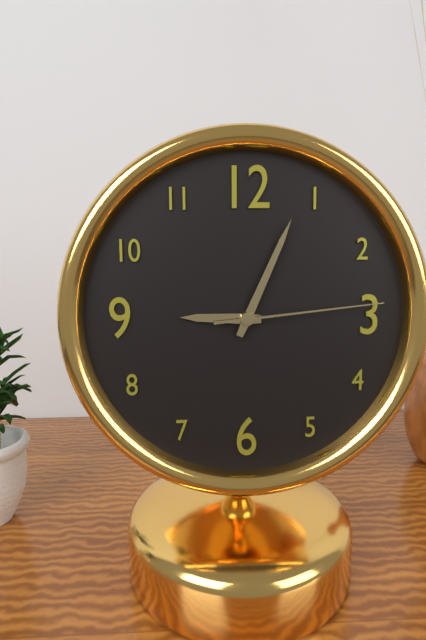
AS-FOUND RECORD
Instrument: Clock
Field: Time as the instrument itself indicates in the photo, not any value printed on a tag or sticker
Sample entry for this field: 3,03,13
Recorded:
9,04,14
